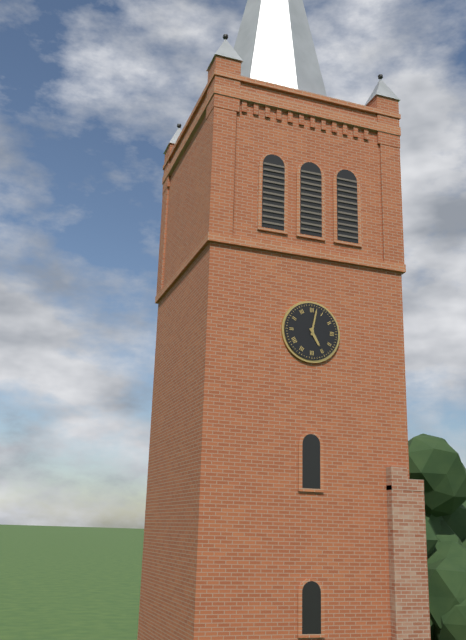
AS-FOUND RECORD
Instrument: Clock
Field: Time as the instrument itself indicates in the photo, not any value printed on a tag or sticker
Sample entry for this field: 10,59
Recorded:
5,02
